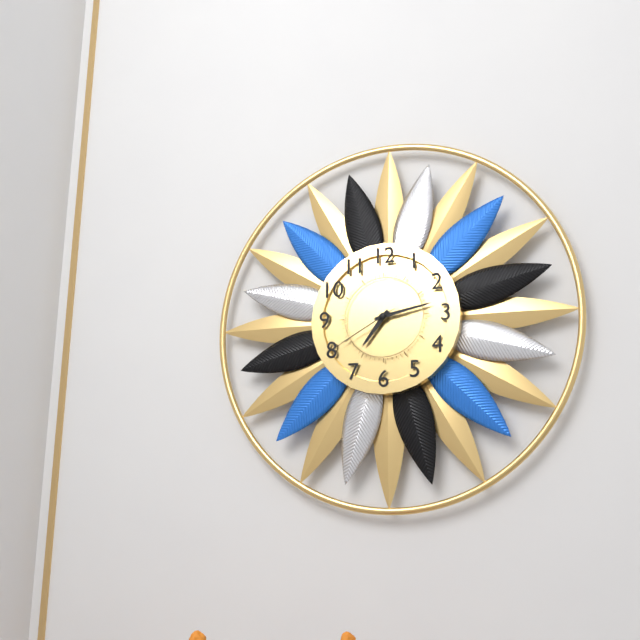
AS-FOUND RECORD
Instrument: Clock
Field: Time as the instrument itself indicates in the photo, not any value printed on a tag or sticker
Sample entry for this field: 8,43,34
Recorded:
7,13,40
